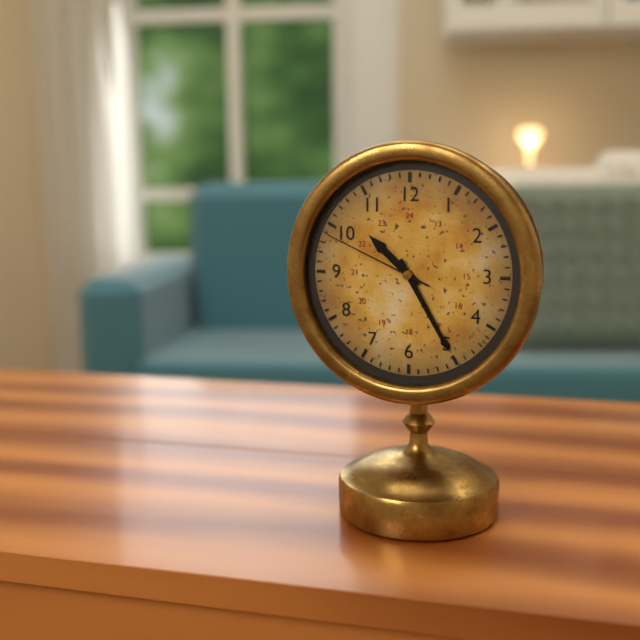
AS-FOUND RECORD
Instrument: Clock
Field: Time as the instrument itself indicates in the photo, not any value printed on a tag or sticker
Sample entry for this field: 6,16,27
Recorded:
10,25,49
